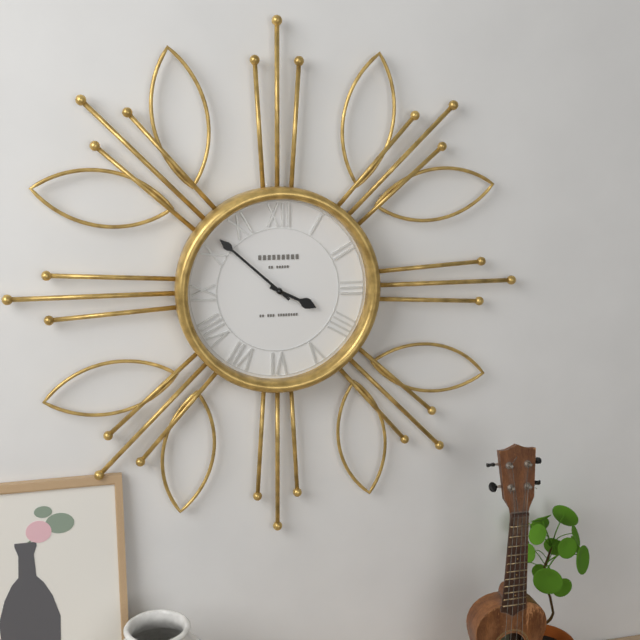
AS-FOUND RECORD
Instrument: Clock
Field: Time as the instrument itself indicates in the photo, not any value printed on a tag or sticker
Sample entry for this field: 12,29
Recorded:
3,52
